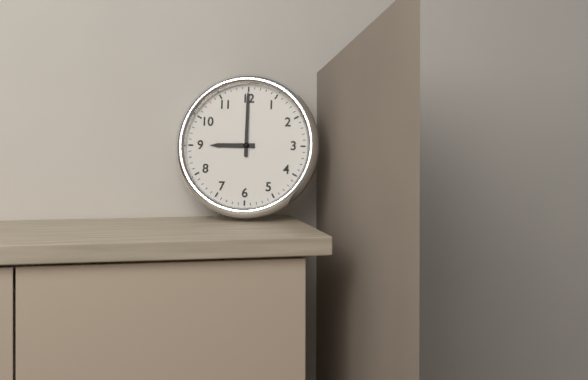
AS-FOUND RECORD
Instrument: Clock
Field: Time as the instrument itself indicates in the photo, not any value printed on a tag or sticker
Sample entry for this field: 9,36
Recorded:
9,00
